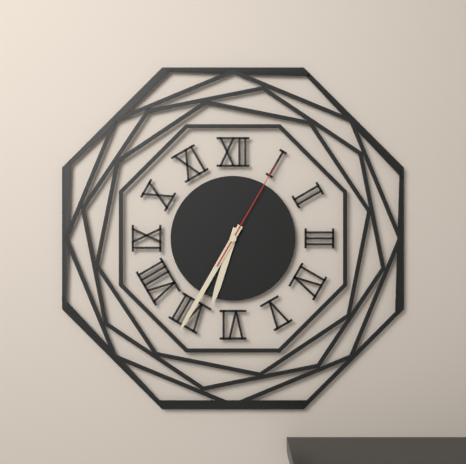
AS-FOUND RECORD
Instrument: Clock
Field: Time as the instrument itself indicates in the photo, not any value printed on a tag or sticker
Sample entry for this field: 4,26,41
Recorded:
6,35,05
